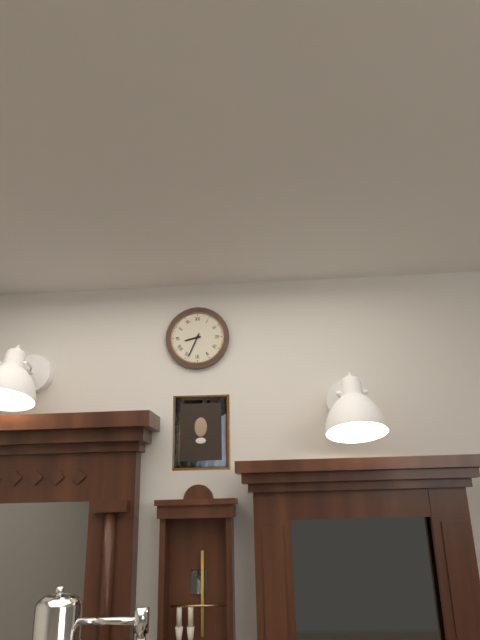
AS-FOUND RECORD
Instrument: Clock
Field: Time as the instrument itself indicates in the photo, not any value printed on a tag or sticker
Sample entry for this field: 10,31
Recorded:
8,34
